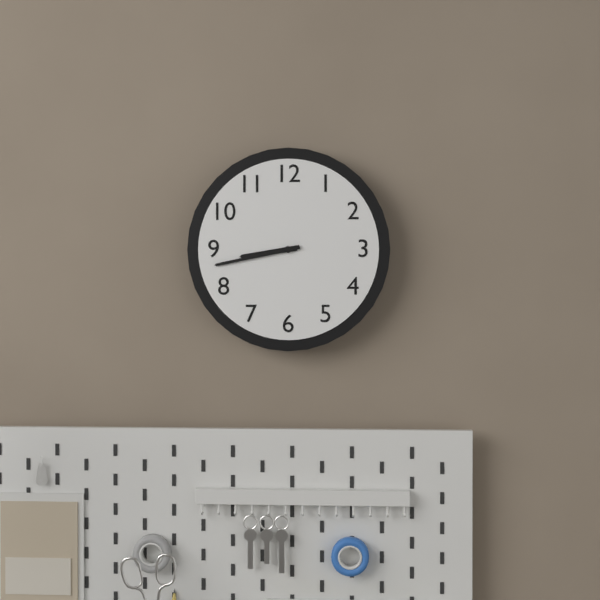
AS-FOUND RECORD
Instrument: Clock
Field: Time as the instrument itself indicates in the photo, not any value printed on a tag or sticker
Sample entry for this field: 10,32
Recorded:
8,43
